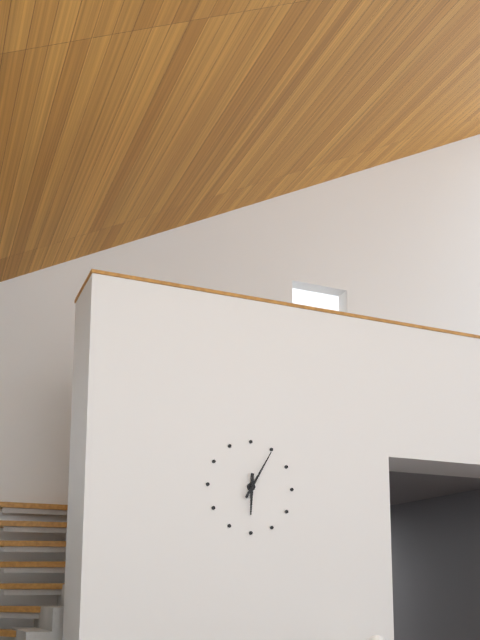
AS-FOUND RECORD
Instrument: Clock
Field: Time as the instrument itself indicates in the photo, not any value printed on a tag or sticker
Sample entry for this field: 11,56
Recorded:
6,05
